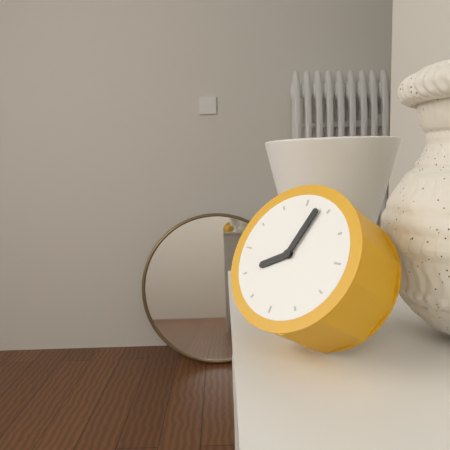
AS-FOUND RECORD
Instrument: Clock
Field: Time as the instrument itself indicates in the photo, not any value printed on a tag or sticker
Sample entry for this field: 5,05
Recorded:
8,03
